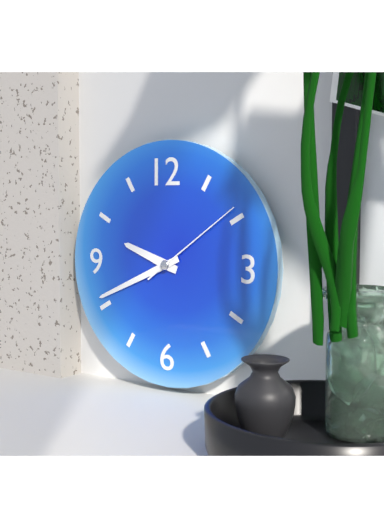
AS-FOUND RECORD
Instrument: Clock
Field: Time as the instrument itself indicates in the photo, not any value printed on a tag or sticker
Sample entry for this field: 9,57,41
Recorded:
9,41,09
